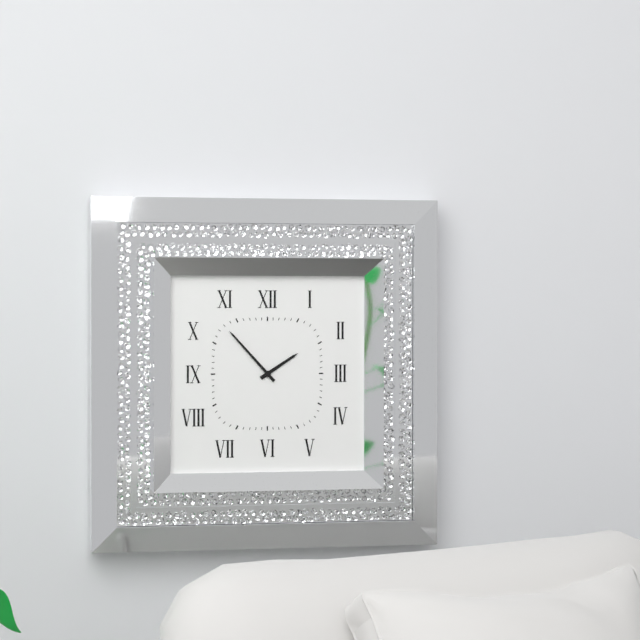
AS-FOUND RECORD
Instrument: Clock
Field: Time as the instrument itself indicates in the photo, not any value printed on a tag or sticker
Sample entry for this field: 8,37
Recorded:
1,53
